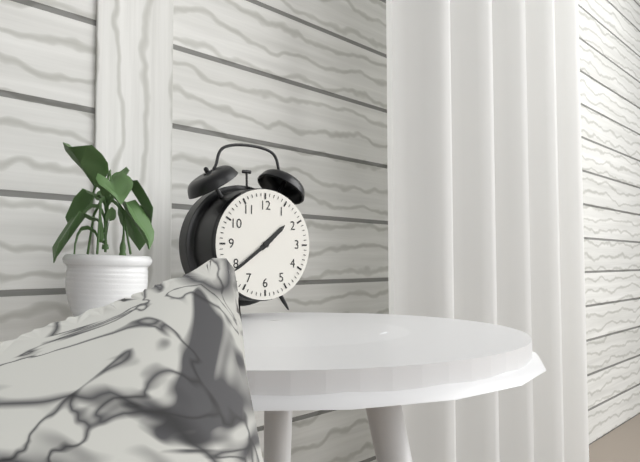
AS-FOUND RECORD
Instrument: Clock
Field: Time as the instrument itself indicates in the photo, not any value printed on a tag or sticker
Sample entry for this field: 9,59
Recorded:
1,39
